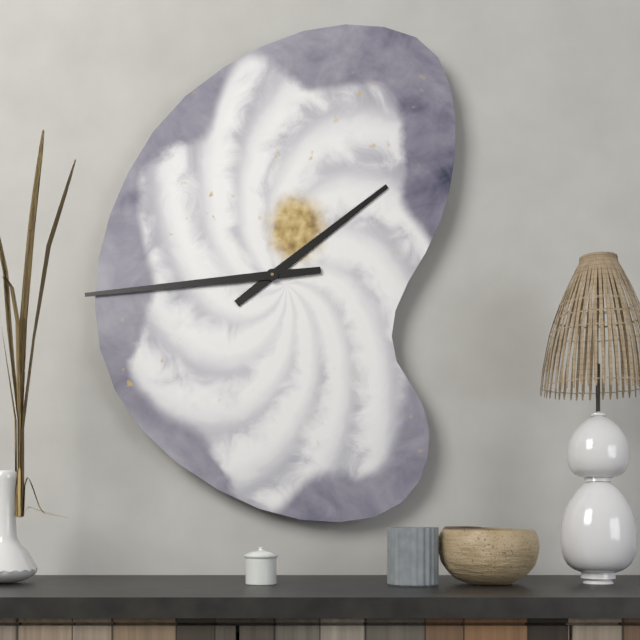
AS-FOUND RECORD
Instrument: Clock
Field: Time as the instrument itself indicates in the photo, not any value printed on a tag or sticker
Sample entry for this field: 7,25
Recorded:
1,44
